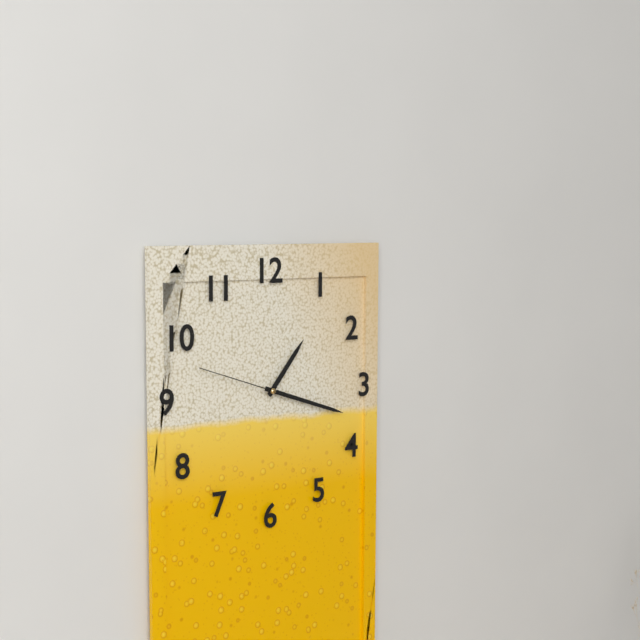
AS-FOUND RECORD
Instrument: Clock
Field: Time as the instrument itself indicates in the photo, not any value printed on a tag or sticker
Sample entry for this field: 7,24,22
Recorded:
1,18,48
